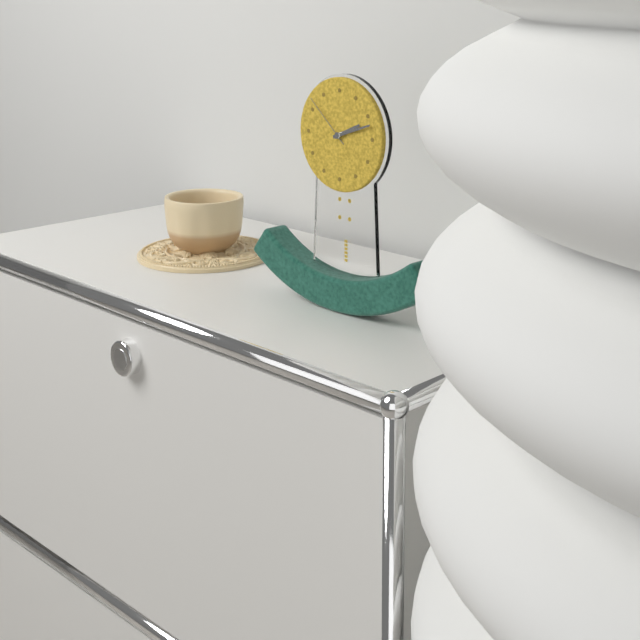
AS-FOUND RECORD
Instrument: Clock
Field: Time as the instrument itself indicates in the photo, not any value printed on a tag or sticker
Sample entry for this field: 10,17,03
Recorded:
2,12,52
